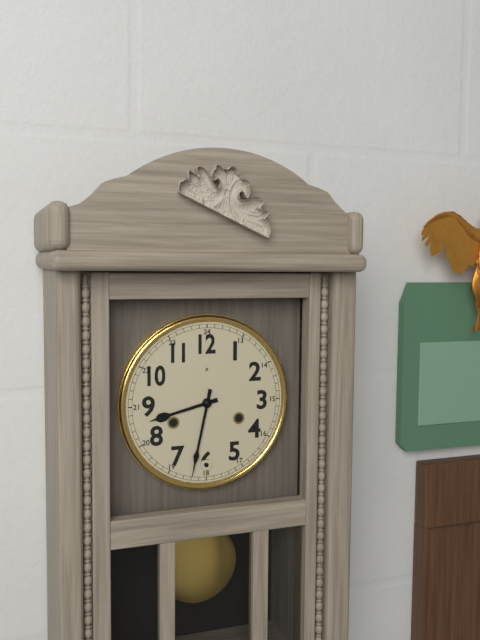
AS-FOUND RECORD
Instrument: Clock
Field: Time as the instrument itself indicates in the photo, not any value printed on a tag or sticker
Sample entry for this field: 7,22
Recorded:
8,32
